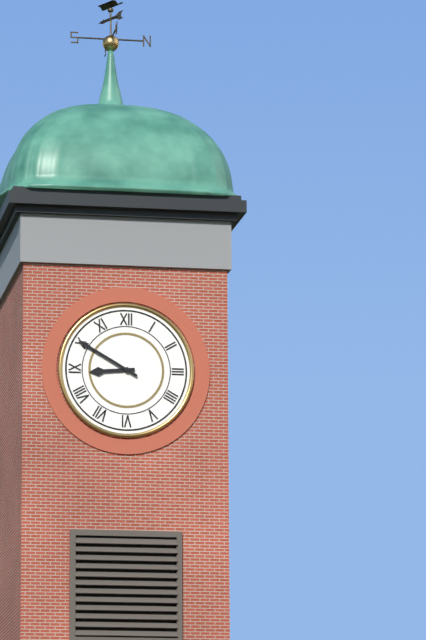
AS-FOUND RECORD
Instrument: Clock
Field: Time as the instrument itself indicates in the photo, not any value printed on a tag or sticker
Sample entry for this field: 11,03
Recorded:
8,50
